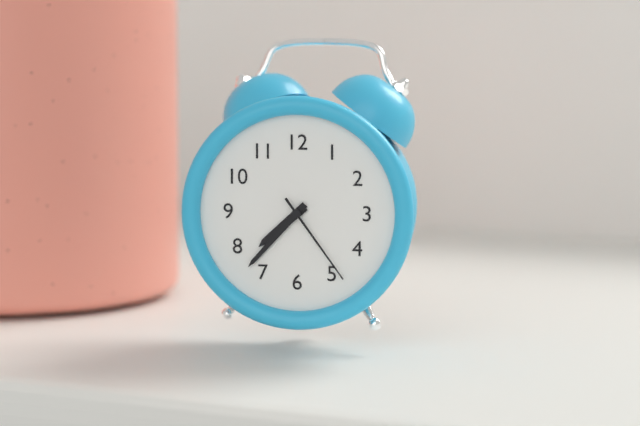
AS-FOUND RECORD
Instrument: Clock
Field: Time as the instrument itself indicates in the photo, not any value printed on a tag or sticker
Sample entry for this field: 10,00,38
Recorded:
7,37,24
